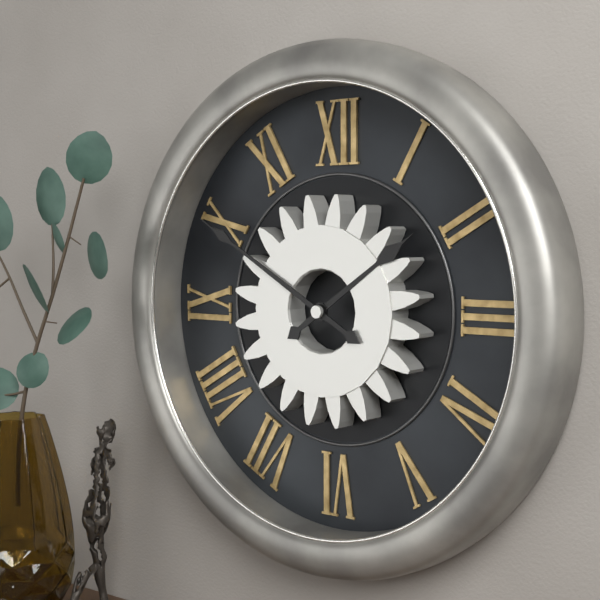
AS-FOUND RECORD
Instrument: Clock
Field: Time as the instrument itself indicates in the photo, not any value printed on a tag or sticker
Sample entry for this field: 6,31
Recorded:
1,50
